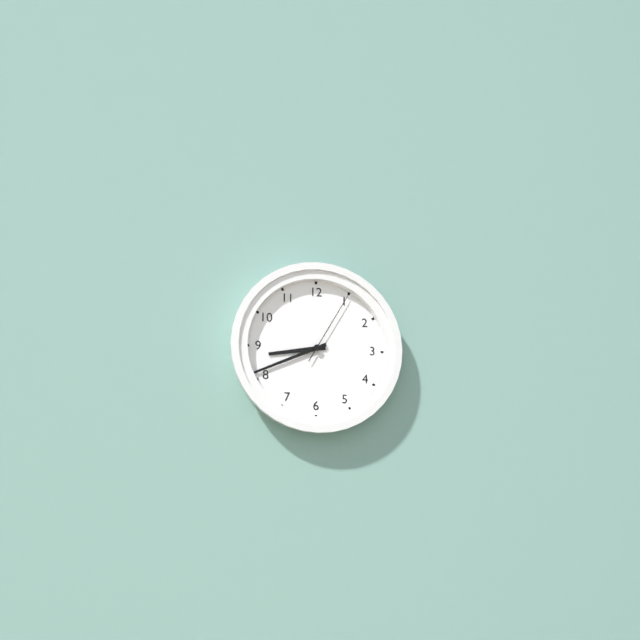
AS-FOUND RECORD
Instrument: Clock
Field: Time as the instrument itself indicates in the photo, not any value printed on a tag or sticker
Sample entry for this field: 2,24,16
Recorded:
8,41,05
